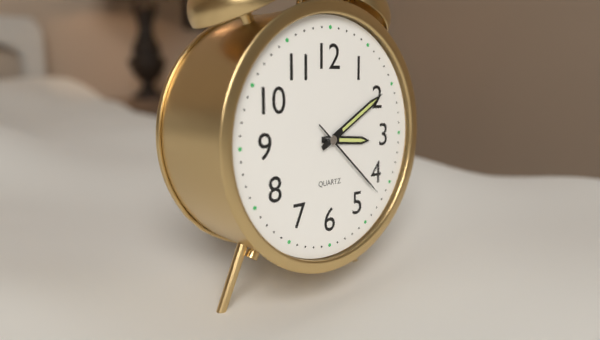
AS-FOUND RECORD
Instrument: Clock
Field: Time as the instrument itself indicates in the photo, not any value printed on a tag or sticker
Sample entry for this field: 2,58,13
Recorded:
3,10,22
